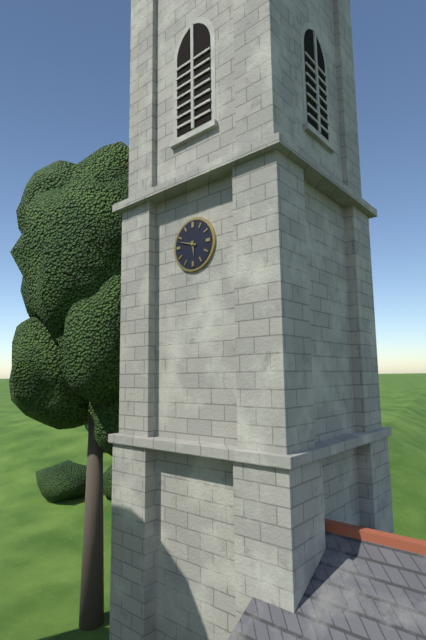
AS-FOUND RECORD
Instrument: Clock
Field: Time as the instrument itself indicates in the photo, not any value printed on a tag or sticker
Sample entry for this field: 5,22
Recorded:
5,48
